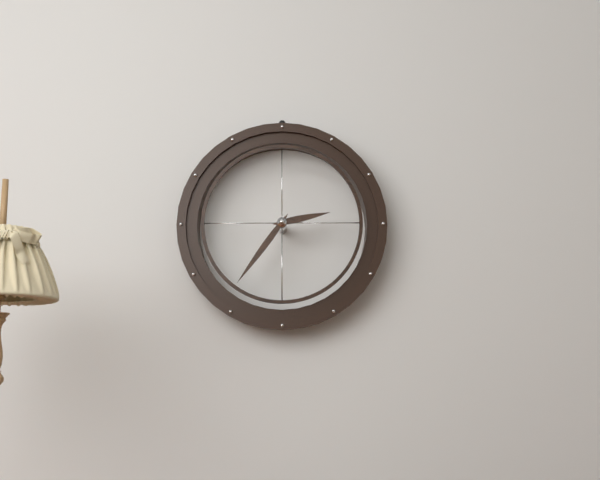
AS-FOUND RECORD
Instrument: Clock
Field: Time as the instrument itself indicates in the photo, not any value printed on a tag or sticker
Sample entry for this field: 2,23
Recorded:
2,36
